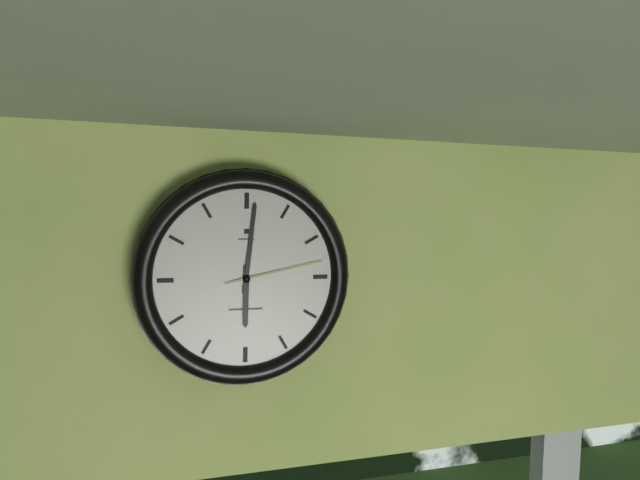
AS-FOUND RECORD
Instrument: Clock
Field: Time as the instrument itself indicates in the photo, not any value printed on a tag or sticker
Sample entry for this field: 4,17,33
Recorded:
6,01,13
